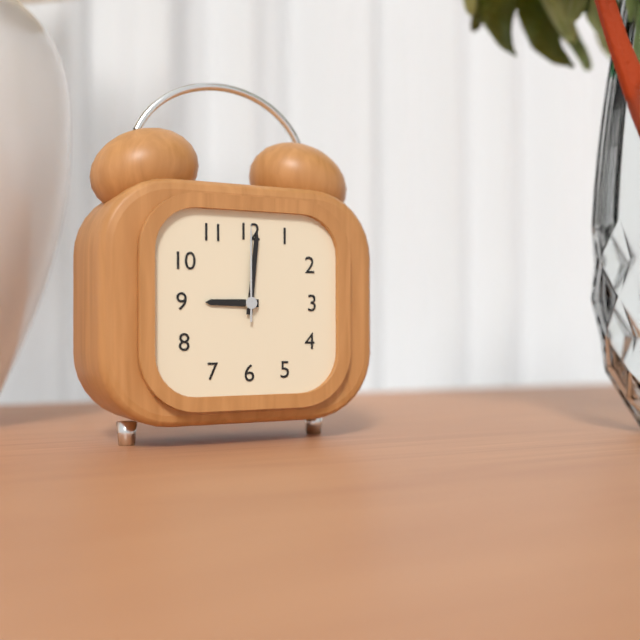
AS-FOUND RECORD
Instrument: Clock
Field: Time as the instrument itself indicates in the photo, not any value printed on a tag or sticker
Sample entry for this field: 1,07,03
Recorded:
9,01,00
